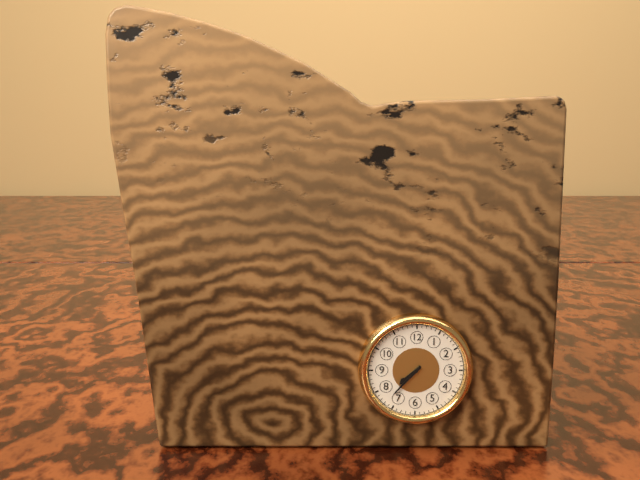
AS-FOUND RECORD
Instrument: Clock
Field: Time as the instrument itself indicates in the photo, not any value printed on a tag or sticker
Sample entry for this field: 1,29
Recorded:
7,37
